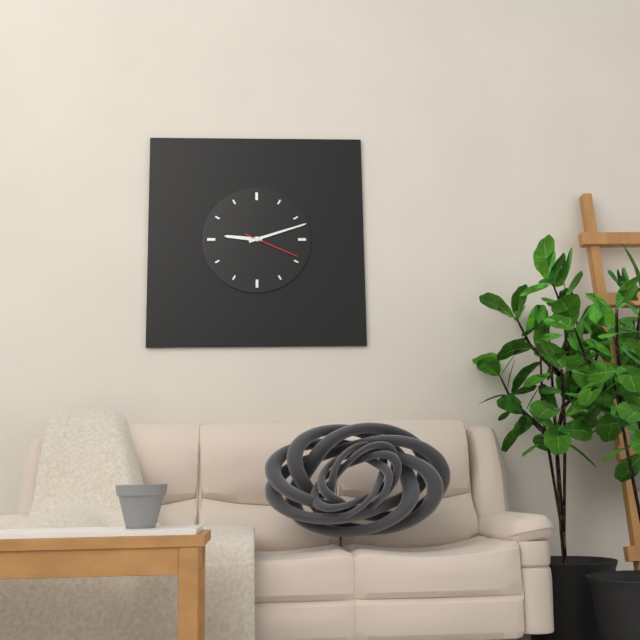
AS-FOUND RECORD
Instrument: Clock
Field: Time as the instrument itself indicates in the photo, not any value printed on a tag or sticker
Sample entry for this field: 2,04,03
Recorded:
9,12,19
